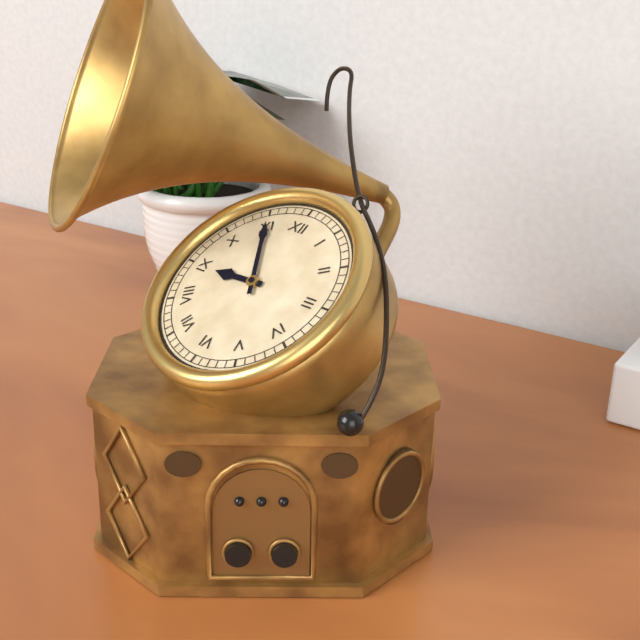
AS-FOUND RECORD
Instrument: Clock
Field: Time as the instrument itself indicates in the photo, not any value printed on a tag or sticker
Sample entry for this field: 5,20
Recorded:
8,55
